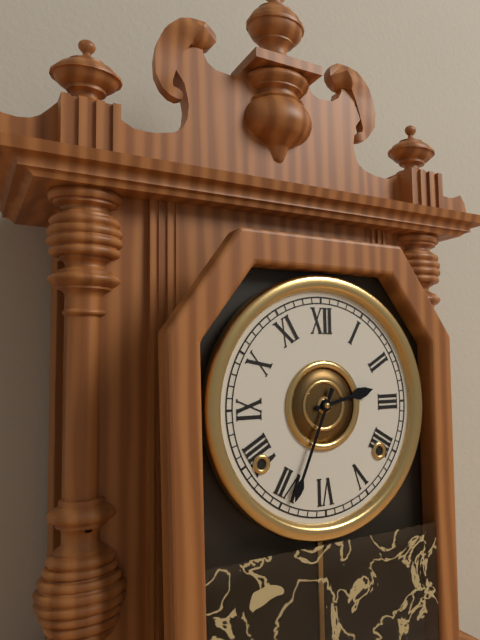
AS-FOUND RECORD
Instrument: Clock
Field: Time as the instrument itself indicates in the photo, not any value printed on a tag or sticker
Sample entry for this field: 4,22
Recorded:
2,34
